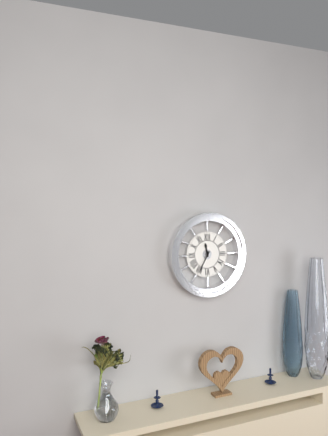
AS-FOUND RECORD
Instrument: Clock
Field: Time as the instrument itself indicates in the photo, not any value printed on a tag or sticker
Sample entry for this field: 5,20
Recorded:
11,35
